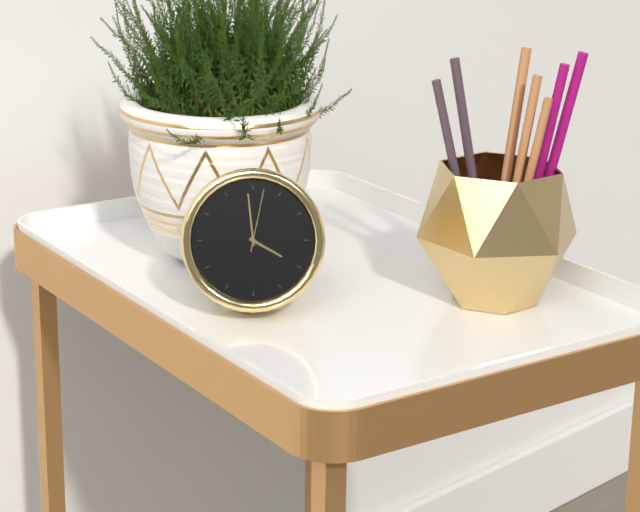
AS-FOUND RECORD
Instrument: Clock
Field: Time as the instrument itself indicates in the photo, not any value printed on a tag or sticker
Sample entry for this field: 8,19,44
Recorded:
3,59,02
